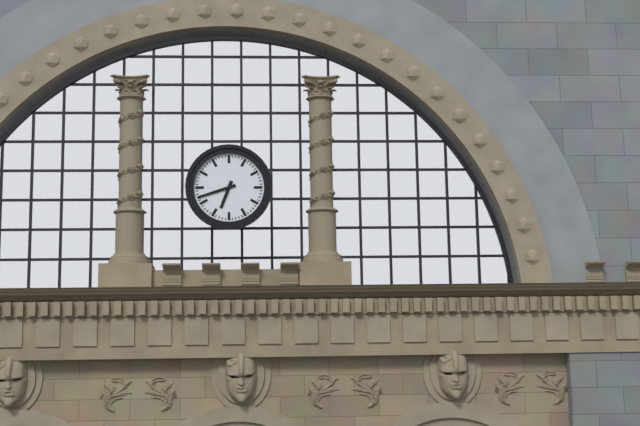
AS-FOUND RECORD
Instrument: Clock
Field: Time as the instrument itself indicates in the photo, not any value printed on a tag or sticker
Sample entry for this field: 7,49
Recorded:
6,42
